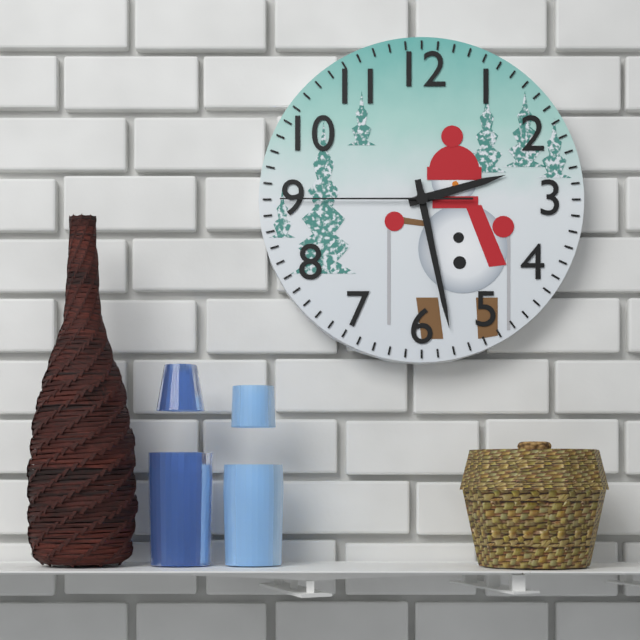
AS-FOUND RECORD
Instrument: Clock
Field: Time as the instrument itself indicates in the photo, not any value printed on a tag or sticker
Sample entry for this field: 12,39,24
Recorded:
2,28,45
